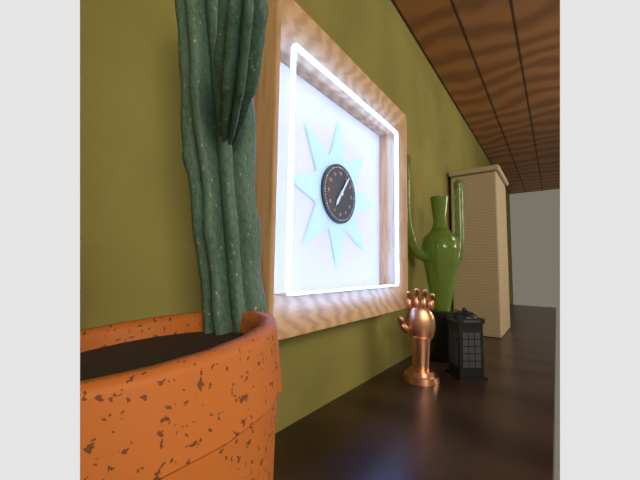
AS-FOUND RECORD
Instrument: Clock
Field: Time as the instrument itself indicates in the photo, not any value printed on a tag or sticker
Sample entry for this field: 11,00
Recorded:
7,06
